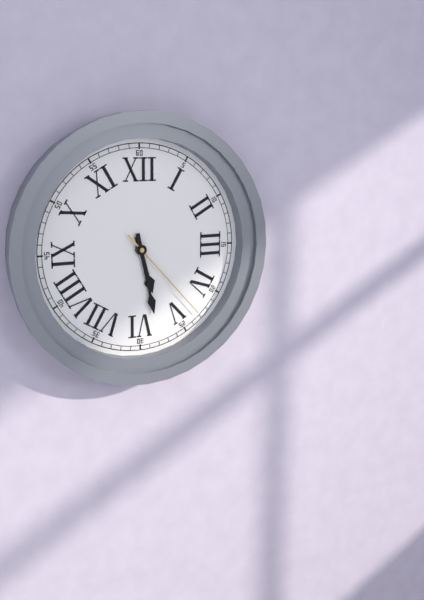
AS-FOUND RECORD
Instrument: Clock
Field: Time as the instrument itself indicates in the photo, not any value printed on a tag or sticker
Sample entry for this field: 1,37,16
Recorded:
5,28,23
